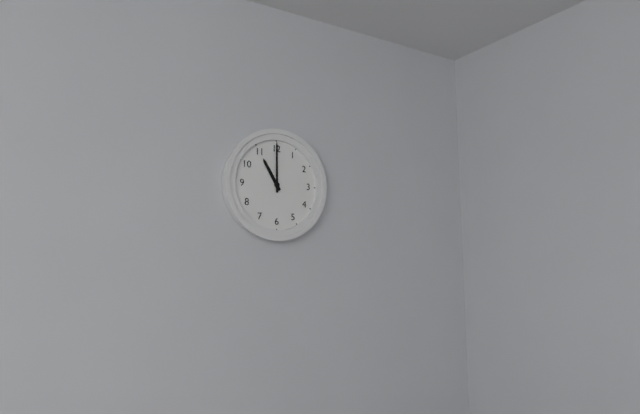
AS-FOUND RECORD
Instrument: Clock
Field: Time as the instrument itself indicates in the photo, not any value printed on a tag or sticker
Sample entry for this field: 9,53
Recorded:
11,00
